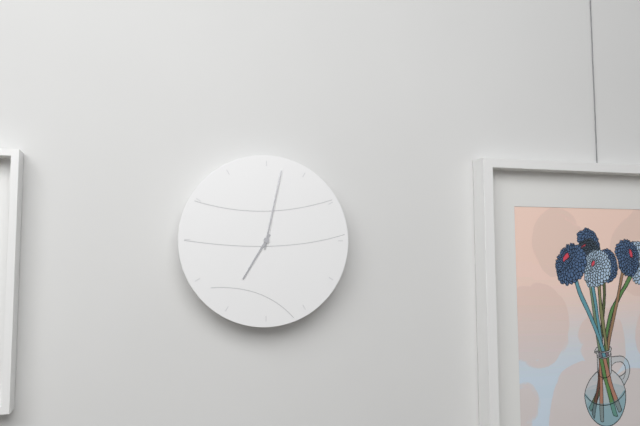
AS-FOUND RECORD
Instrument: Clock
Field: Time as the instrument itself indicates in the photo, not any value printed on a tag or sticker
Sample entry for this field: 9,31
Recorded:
7,02
